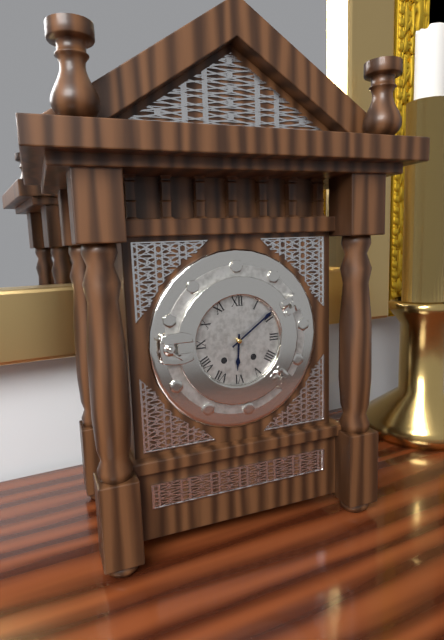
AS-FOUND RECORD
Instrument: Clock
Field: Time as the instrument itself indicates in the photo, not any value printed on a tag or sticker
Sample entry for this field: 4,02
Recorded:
6,09
